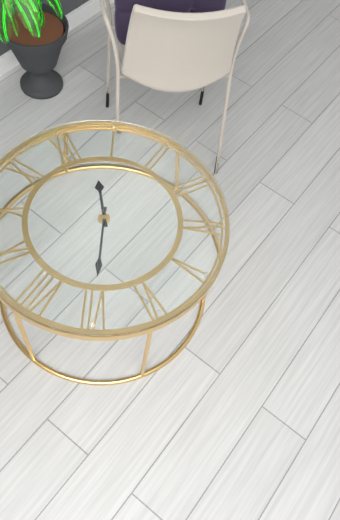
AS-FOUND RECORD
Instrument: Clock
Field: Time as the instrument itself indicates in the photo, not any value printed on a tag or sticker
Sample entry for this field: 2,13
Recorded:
12,35
